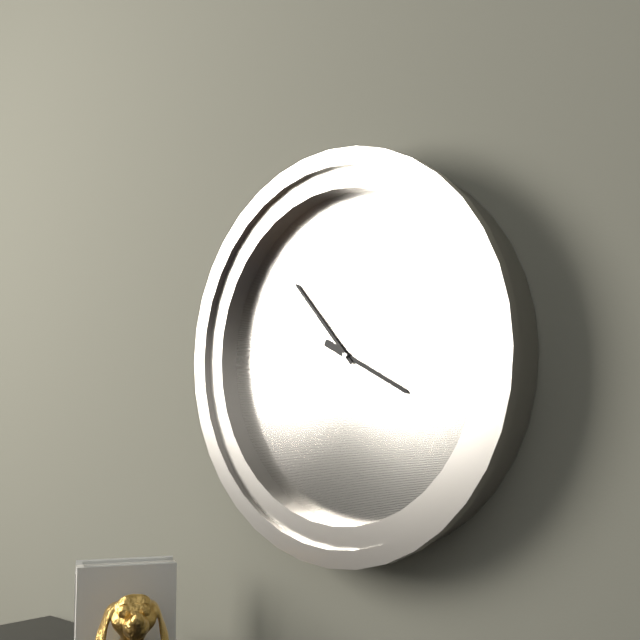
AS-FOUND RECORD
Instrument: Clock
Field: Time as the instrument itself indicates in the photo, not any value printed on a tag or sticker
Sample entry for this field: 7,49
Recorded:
3,53
